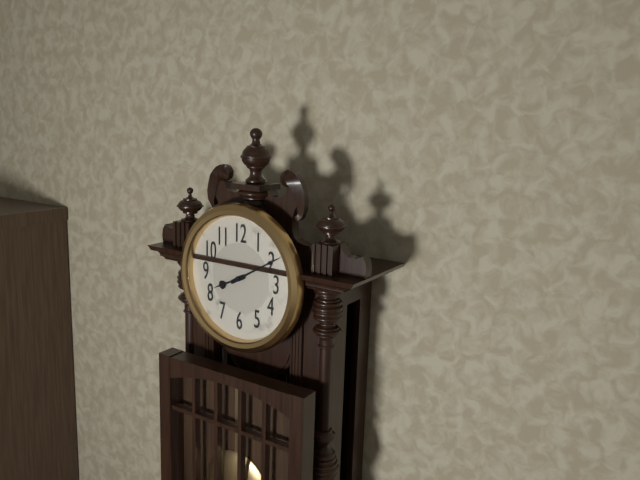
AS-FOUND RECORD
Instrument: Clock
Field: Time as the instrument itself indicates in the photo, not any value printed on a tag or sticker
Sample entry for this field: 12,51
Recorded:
8,10
